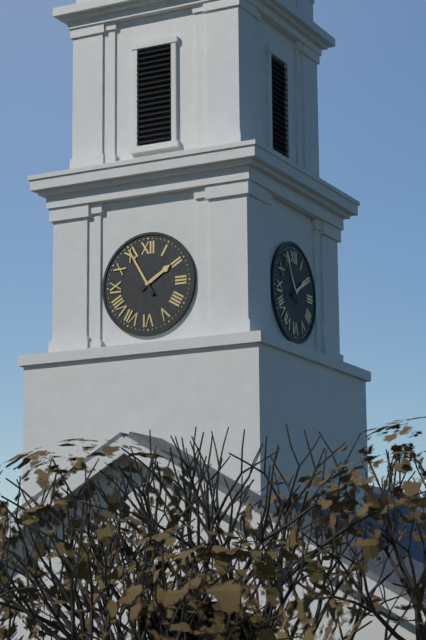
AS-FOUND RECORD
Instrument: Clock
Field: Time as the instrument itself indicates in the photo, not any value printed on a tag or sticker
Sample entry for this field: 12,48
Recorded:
1,55
